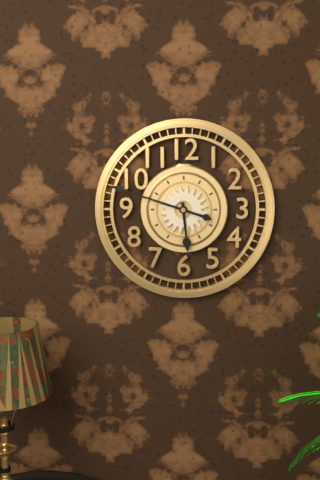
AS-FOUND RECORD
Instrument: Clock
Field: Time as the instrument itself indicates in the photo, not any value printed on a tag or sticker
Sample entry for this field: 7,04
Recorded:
5,48
